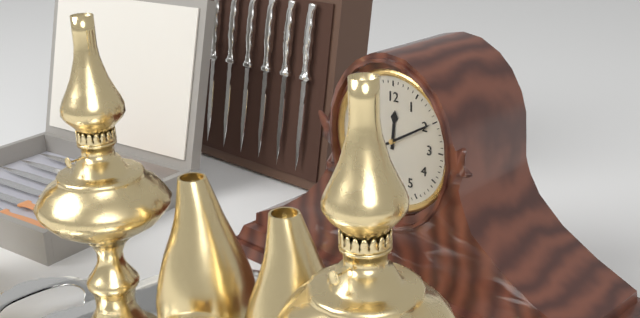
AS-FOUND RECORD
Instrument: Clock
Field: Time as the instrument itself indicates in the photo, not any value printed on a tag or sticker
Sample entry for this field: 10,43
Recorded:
12,10
